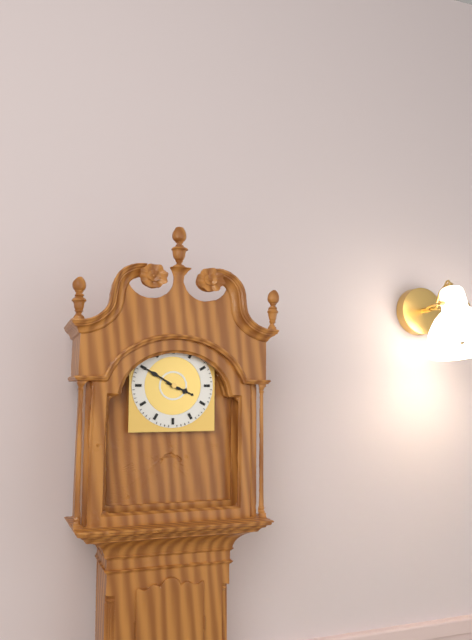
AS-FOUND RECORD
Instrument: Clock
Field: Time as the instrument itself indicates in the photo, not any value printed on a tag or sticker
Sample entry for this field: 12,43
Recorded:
3,50
